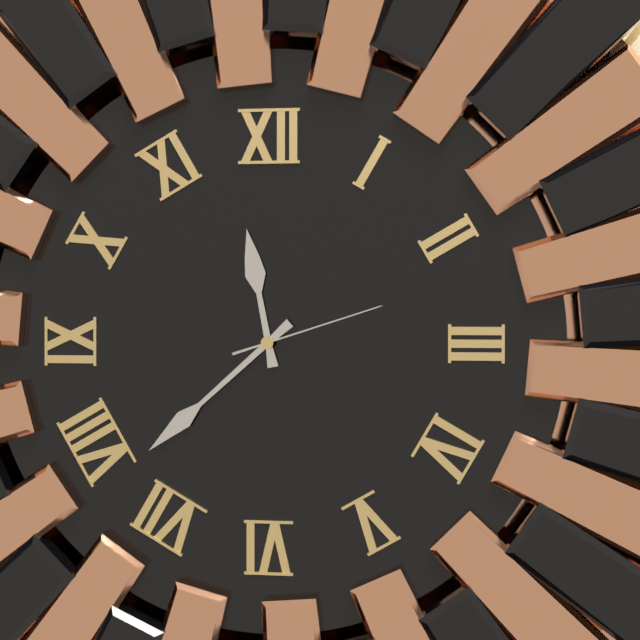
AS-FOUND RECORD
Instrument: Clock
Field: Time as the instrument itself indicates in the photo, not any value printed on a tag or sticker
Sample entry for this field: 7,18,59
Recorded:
11,38,12
